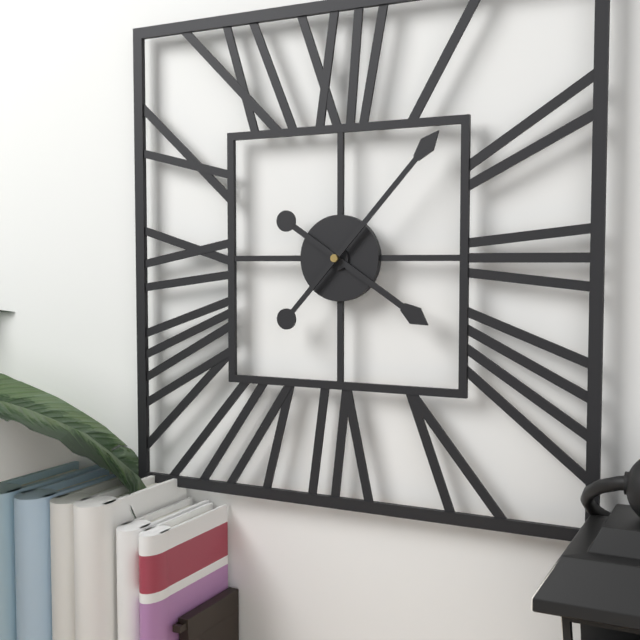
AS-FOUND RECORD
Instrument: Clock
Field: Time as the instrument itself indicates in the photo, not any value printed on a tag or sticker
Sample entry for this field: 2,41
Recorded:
4,07
